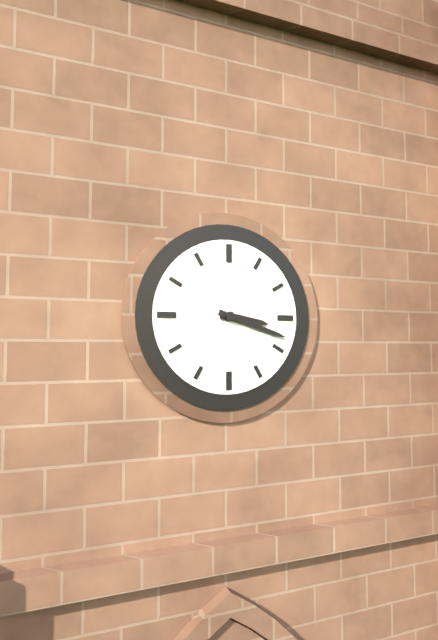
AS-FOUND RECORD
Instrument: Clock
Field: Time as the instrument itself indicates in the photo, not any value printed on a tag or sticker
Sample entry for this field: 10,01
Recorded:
3,18
